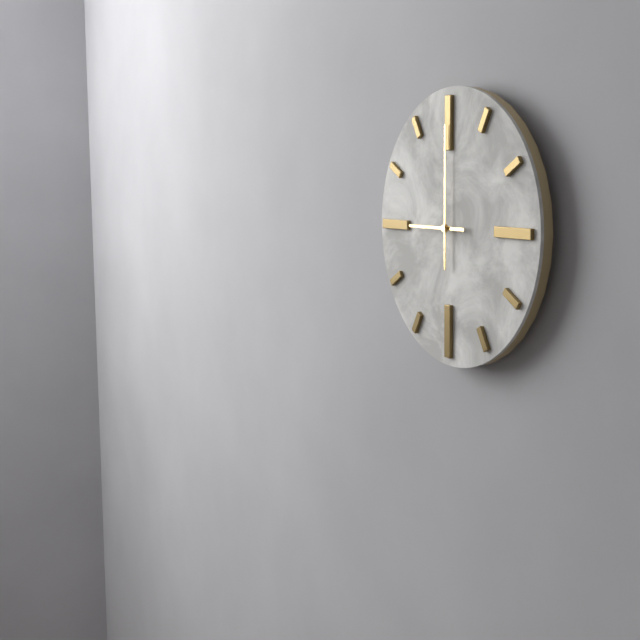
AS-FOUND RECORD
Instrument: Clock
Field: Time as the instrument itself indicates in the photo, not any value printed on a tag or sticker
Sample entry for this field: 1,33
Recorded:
9,00
